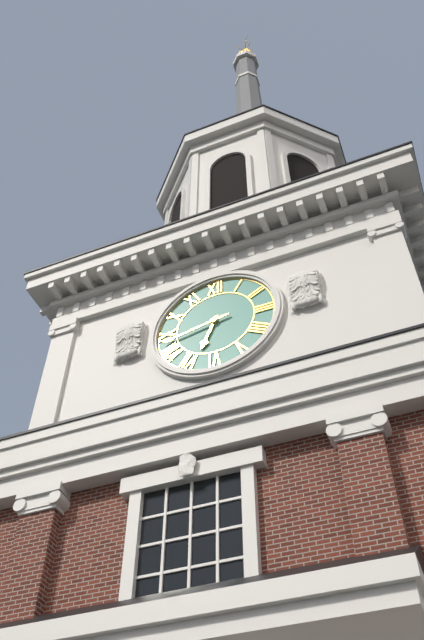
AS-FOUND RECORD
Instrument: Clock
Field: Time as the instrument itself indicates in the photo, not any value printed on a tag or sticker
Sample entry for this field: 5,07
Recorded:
6,43
